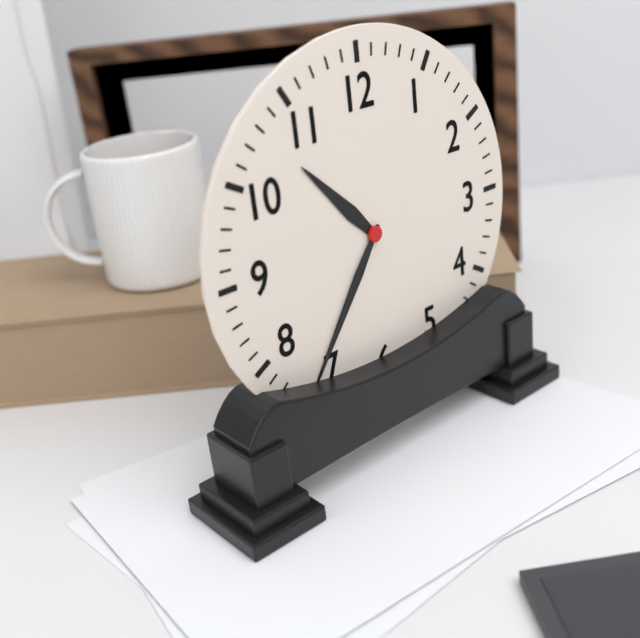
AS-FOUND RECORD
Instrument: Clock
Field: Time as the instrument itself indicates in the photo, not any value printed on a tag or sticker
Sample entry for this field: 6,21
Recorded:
10,36
